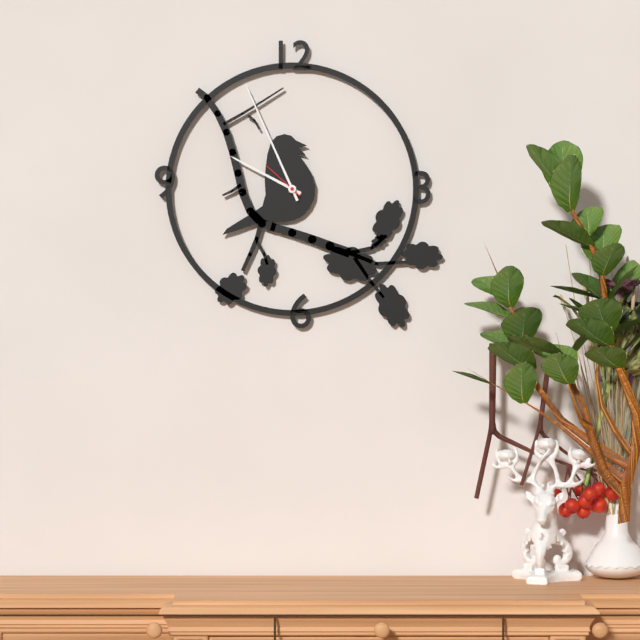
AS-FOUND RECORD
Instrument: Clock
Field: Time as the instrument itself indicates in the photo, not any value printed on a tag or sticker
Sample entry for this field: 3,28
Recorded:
9,56
